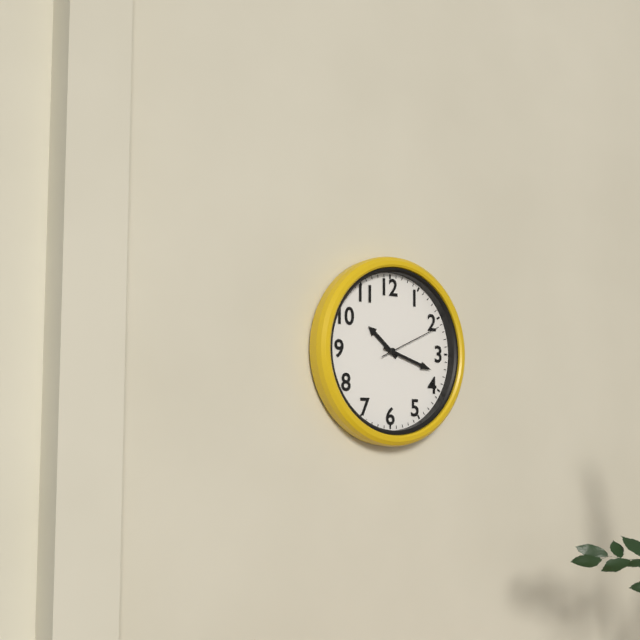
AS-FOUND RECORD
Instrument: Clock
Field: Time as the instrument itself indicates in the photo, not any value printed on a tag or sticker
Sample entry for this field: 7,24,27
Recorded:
10,18,11
